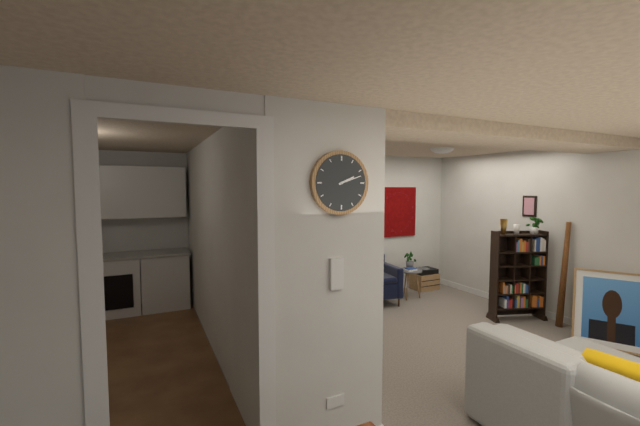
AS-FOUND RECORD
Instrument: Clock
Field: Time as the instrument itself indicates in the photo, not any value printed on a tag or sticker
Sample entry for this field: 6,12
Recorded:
2,12
